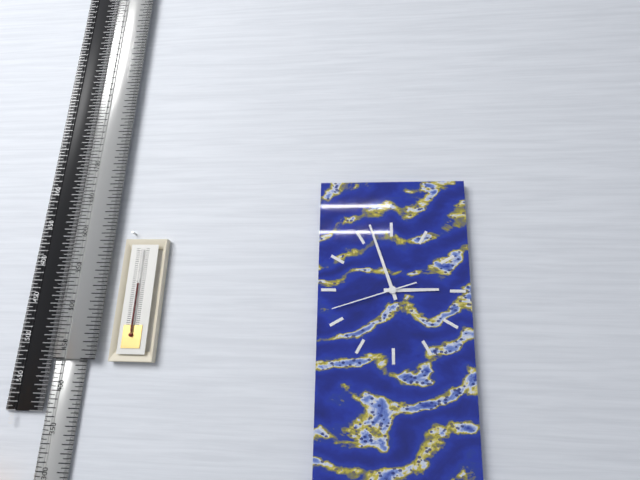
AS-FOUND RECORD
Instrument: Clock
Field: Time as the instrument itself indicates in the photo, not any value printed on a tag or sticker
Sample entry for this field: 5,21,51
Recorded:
2,57,42
